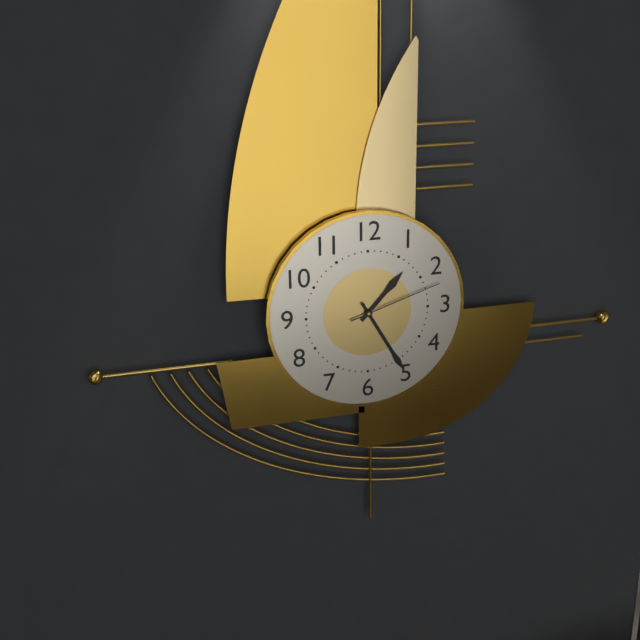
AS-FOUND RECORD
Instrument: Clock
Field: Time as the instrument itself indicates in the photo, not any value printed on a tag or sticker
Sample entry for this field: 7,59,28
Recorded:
1,25,12
